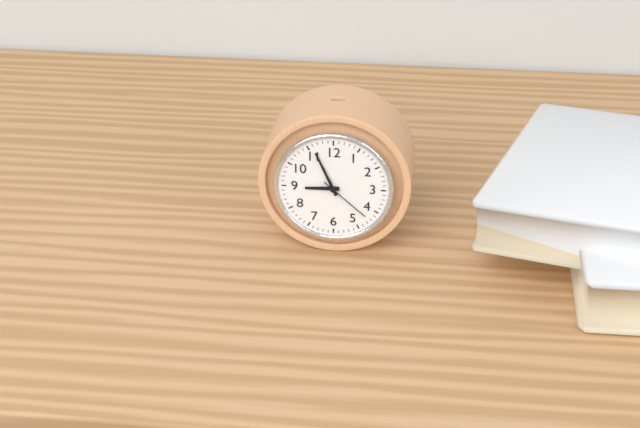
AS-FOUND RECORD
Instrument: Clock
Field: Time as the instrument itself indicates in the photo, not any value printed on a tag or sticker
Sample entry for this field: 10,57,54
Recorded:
8,56,22
